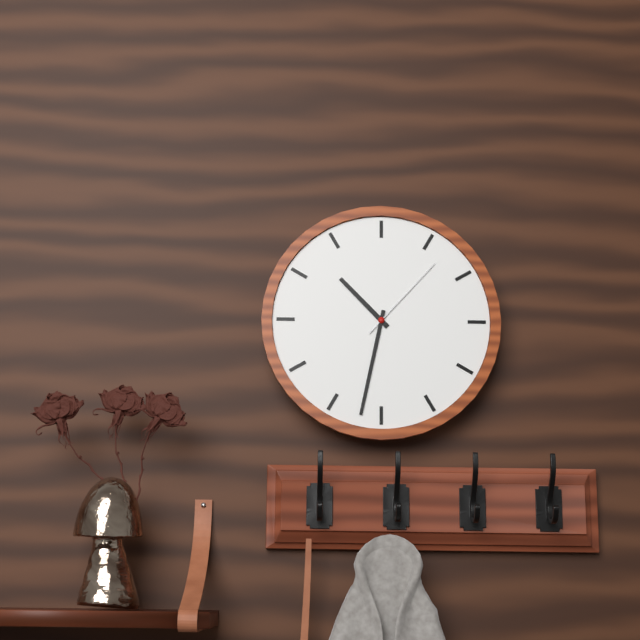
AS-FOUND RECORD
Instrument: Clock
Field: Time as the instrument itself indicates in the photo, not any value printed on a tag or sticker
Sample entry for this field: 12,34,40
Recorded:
10,32,07
